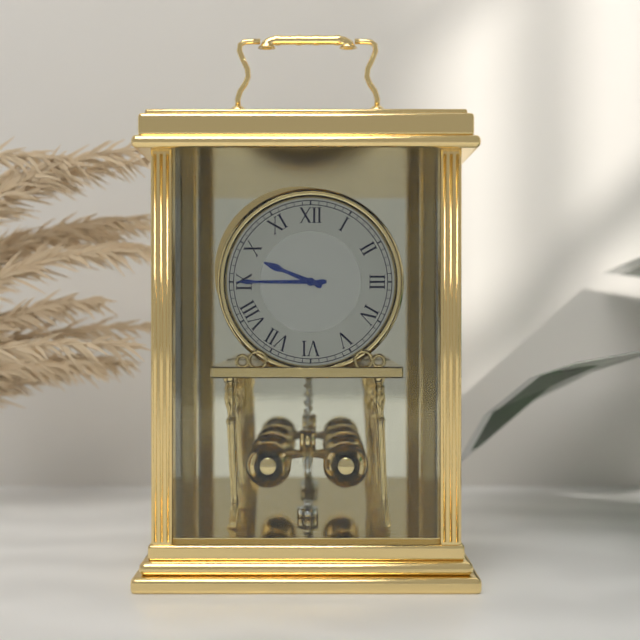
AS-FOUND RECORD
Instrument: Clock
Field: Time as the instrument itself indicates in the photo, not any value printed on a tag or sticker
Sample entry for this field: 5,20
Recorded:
9,45
